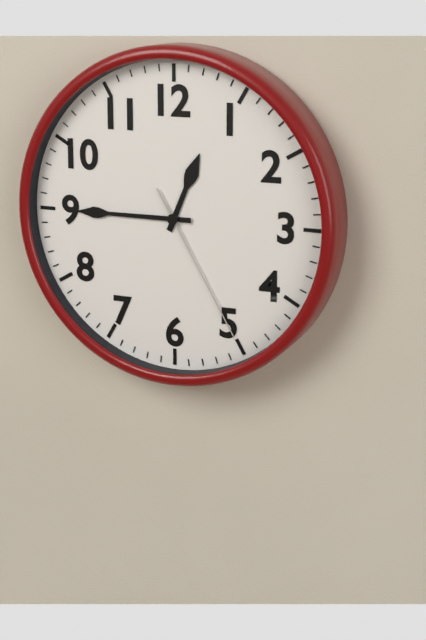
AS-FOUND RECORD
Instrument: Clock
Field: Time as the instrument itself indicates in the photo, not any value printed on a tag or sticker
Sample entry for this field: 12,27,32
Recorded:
12,45,25
